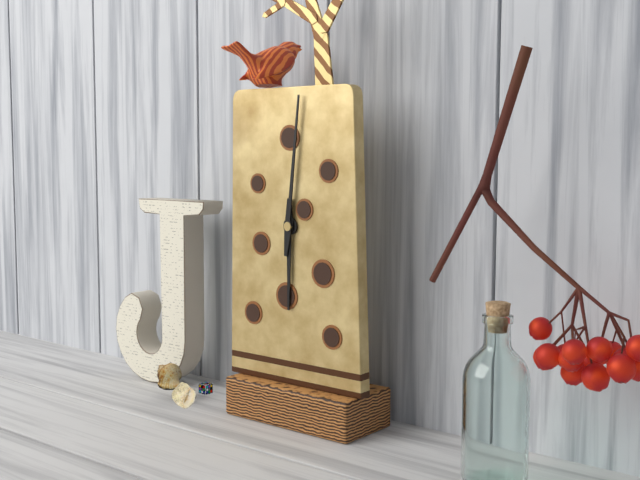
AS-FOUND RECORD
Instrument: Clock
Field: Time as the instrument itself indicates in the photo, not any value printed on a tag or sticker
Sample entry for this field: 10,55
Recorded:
6,01
